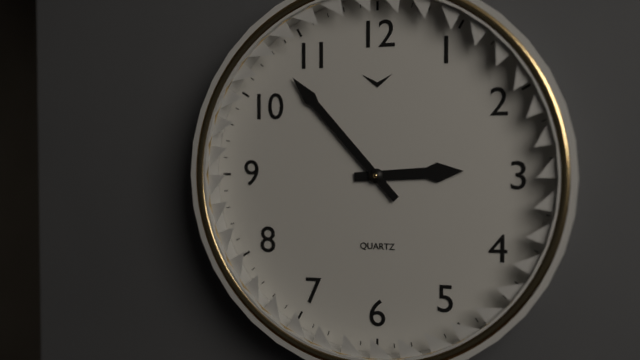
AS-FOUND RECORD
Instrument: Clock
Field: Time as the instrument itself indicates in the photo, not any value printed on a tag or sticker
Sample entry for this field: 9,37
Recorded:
2,53
